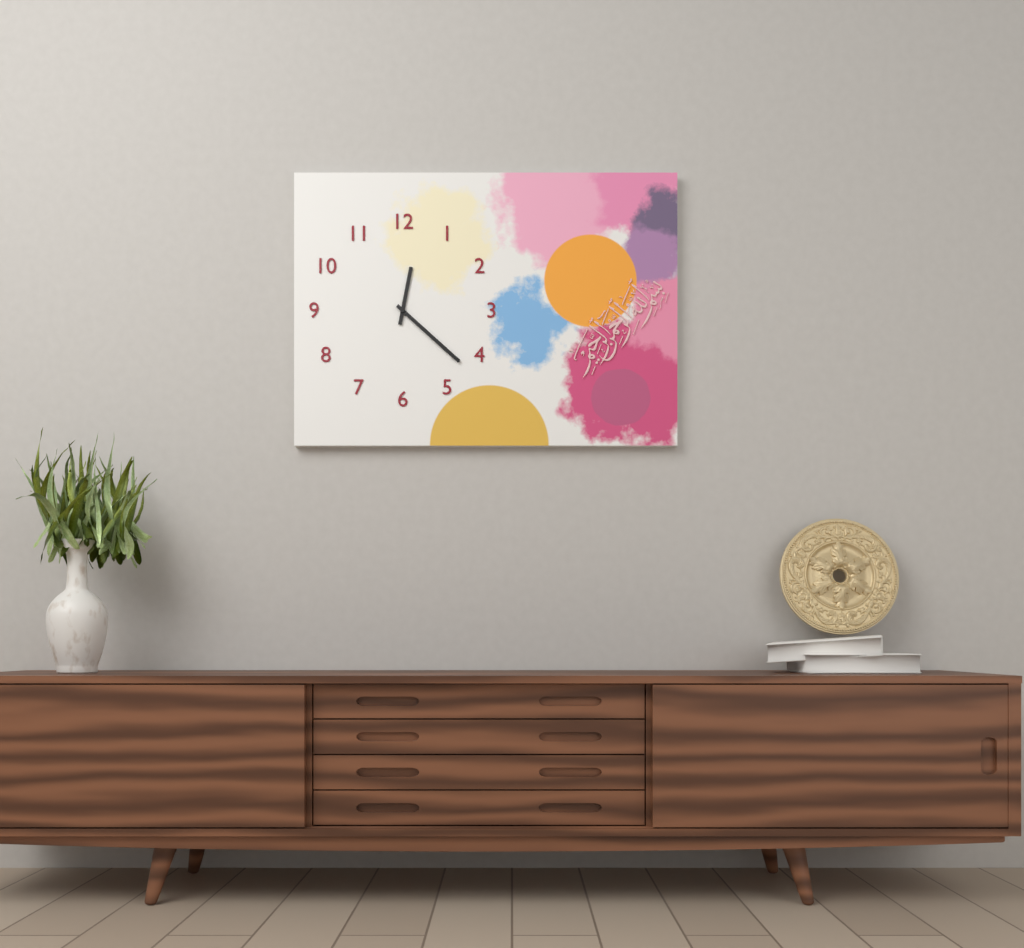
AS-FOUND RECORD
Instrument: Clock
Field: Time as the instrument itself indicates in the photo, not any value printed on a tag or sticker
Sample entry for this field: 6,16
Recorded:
12,22
